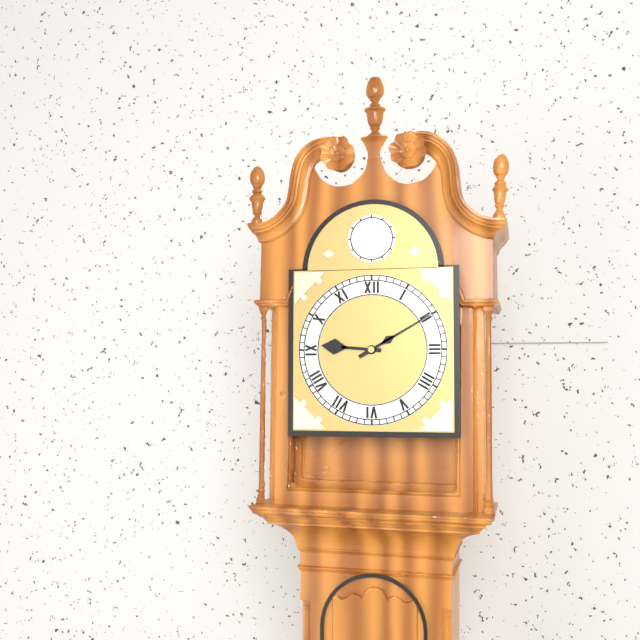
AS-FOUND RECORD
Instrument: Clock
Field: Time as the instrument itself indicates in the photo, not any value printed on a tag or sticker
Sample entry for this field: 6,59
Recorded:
9,10
